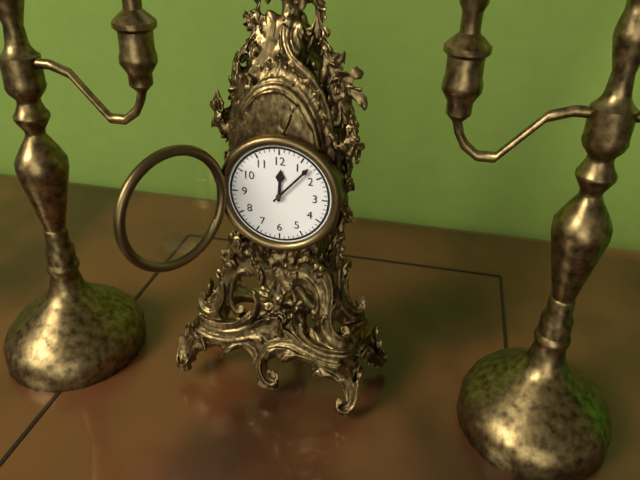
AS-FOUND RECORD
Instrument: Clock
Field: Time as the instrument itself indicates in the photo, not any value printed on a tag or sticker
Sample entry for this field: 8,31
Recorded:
12,07
